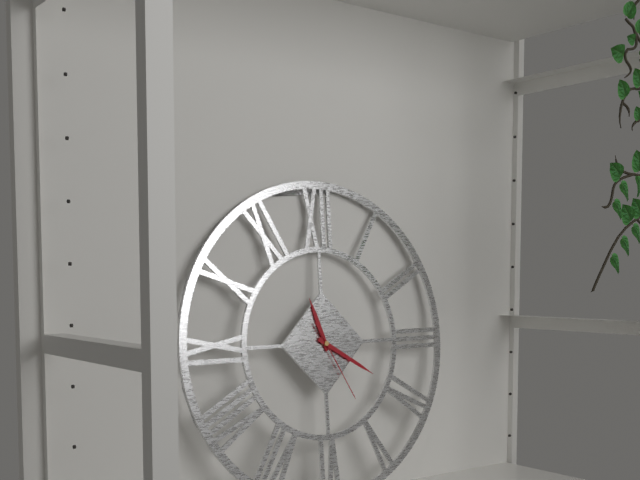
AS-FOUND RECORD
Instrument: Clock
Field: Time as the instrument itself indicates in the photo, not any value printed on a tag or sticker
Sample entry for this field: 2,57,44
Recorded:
11,20,25
